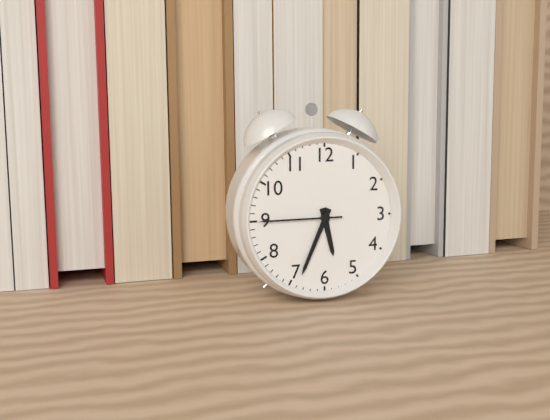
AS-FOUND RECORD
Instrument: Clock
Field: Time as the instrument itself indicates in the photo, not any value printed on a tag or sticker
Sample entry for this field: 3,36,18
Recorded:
5,34,45
